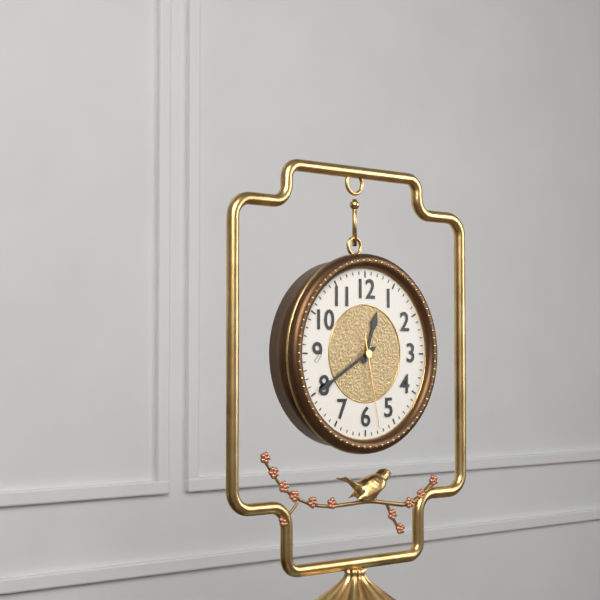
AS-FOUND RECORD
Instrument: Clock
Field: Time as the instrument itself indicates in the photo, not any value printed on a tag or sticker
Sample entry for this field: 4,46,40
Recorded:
12,40,28
